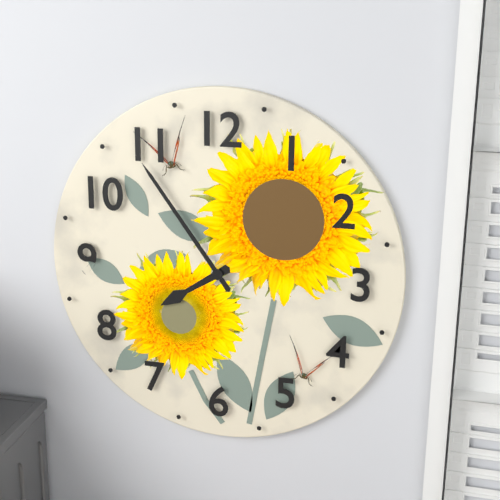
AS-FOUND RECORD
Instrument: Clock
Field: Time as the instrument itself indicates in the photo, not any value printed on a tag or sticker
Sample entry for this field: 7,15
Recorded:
7,54
